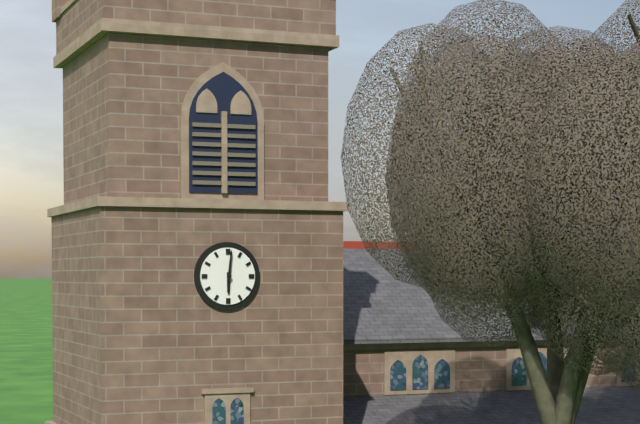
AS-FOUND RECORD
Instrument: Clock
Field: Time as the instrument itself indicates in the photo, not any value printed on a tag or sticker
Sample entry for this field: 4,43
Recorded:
6,01
